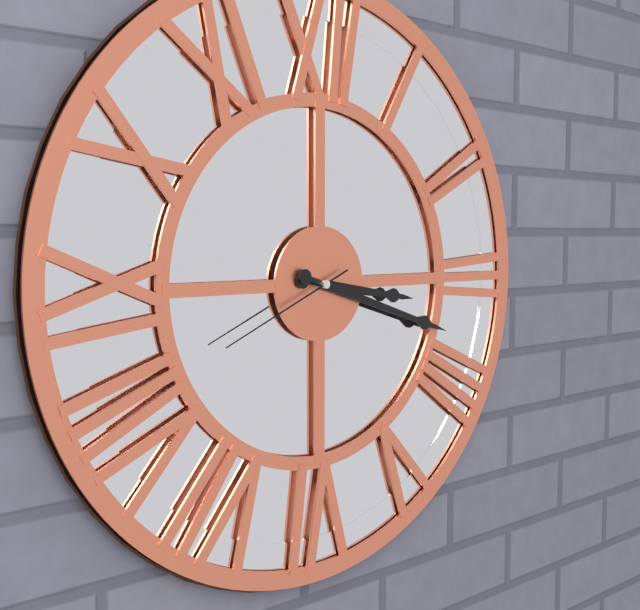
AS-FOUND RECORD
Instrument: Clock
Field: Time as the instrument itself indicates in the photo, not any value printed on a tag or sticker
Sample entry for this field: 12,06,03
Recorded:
3,18,41
